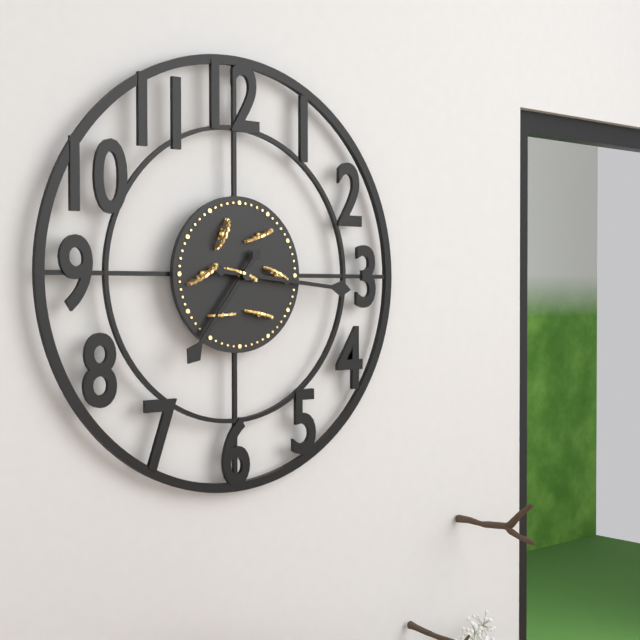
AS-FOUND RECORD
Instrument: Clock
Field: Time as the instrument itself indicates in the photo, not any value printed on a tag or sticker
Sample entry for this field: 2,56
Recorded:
7,16
